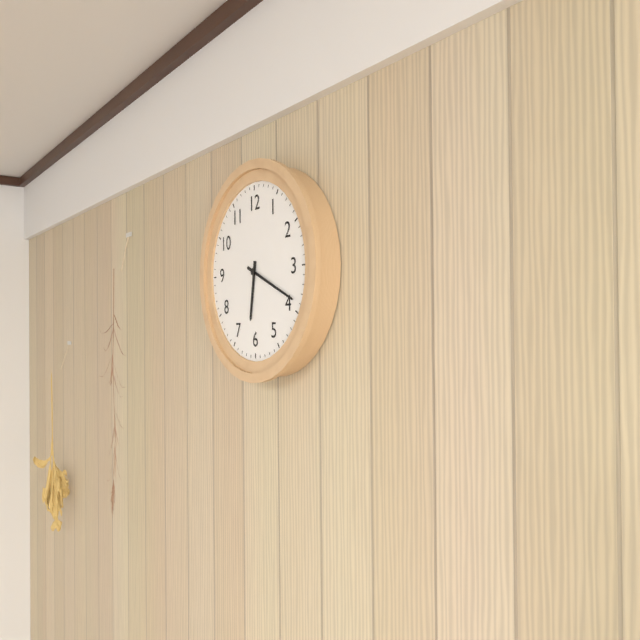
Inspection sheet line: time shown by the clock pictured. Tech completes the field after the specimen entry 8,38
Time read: 6,19
